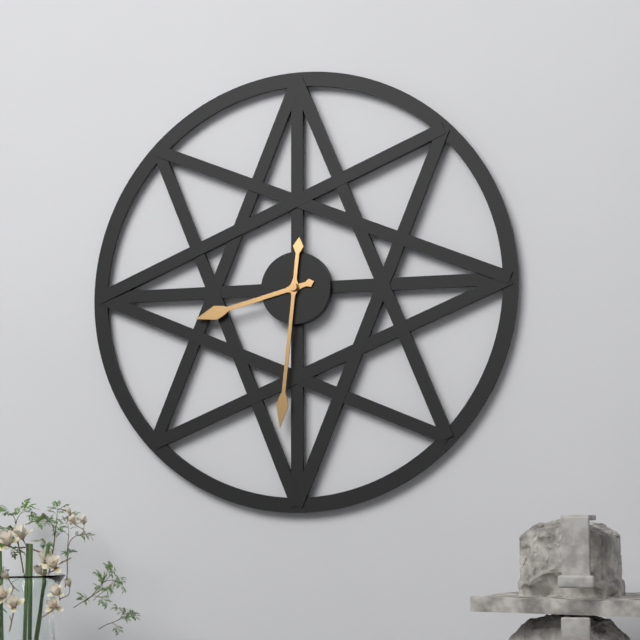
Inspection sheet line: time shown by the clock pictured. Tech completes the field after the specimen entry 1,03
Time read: 8,31
